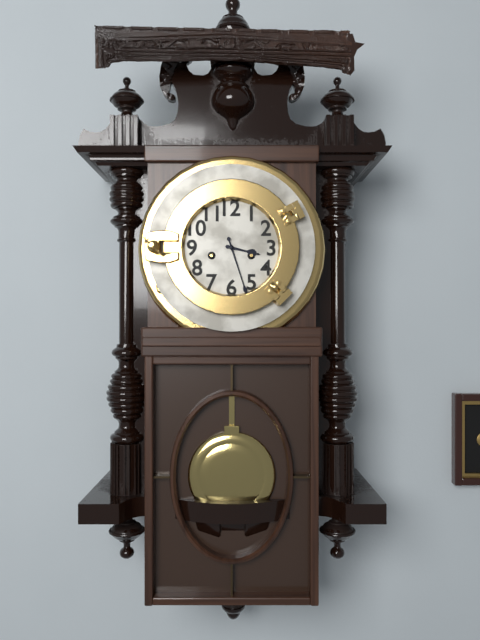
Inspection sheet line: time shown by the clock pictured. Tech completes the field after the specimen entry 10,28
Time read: 3,27
